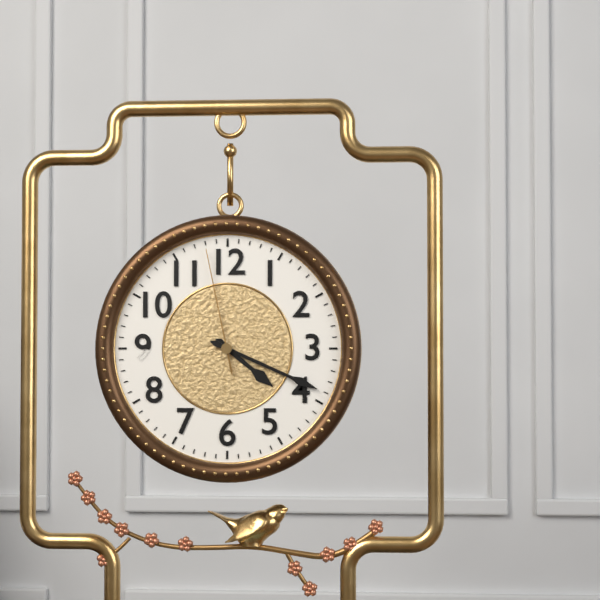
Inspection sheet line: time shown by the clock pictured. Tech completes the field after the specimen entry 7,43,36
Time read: 4,19,58
